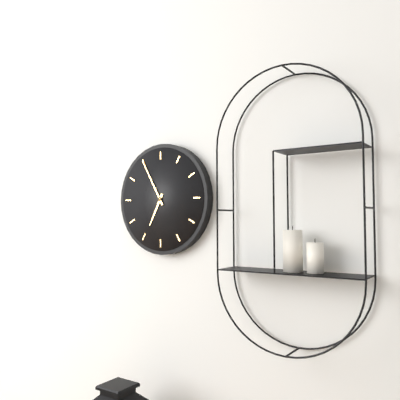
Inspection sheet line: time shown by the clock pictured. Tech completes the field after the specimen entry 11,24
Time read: 6,55
